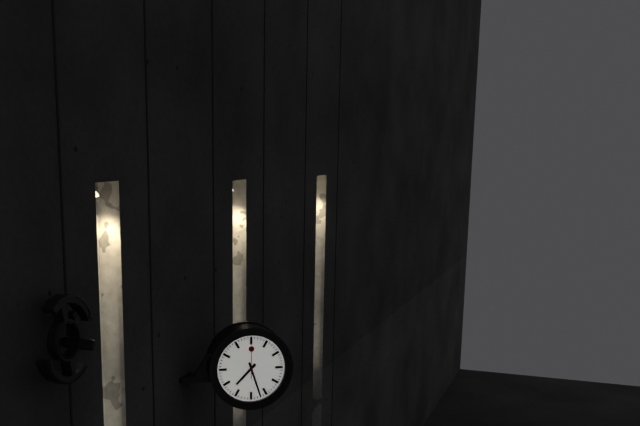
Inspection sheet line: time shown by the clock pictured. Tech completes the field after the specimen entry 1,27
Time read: 7,27
